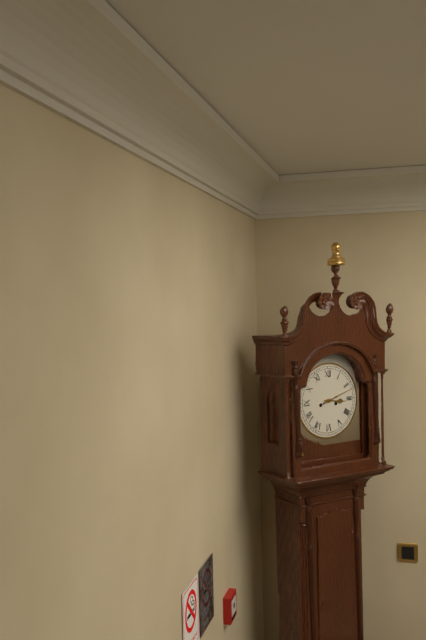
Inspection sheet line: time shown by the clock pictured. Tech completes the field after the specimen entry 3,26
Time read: 3,12
